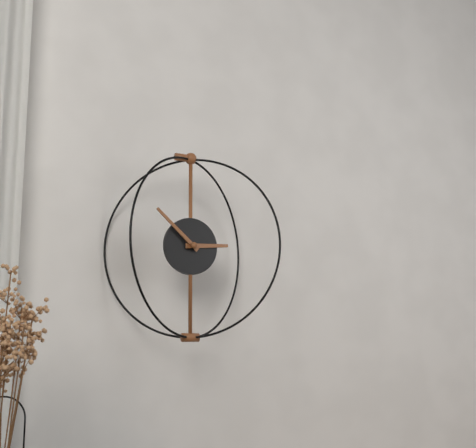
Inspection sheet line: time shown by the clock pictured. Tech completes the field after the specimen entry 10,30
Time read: 2,52
